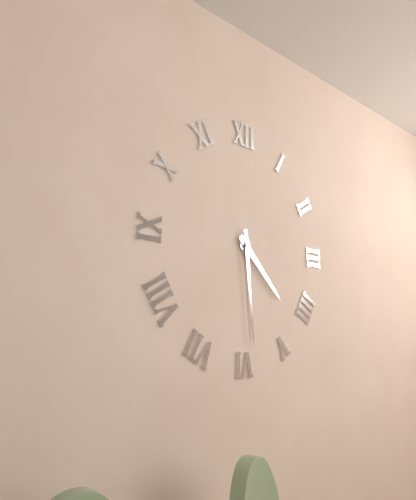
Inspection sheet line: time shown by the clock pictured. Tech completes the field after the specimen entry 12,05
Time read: 4,29
